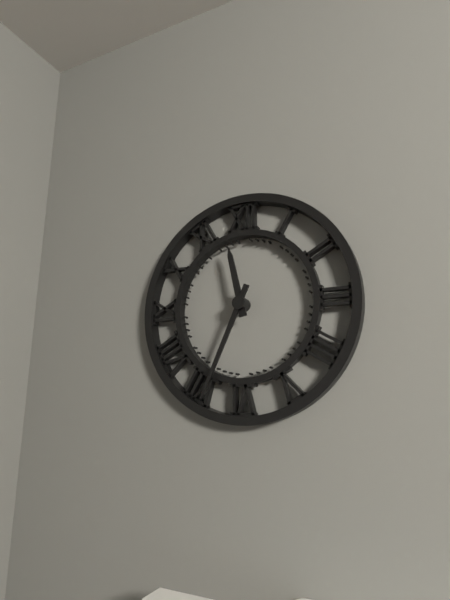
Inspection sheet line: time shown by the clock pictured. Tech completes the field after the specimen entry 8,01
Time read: 11,34
